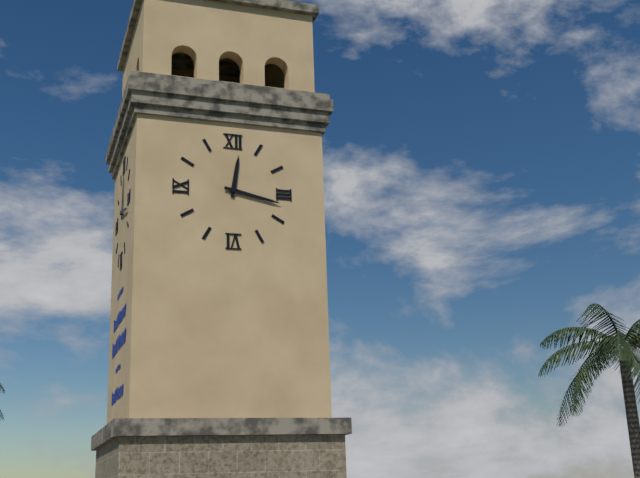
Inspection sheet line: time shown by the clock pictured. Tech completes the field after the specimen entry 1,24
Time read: 12,17
